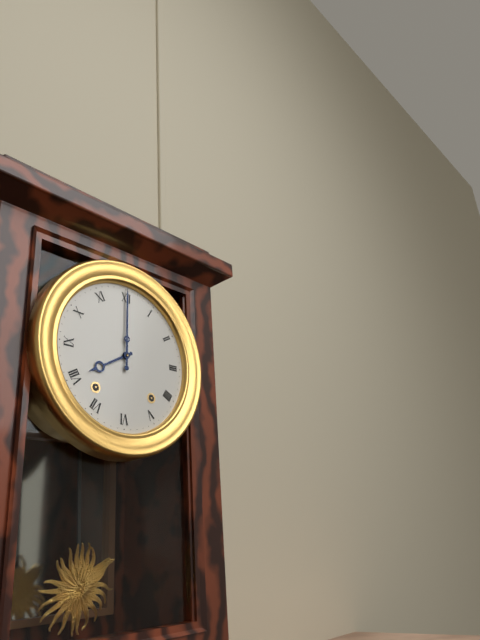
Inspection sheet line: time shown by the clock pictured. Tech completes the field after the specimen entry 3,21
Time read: 8,00
